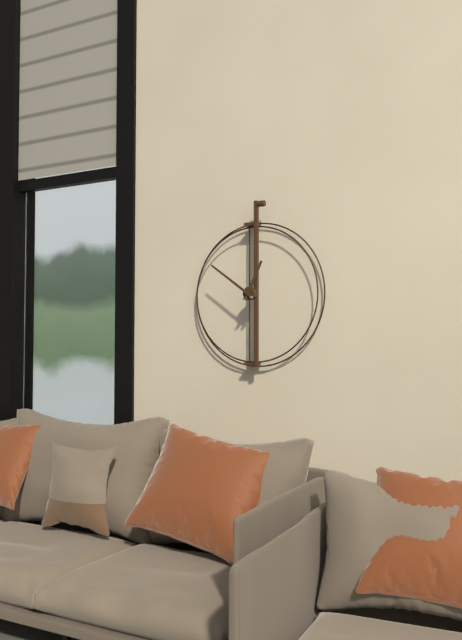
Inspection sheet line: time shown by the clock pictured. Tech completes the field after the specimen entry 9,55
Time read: 12,51
